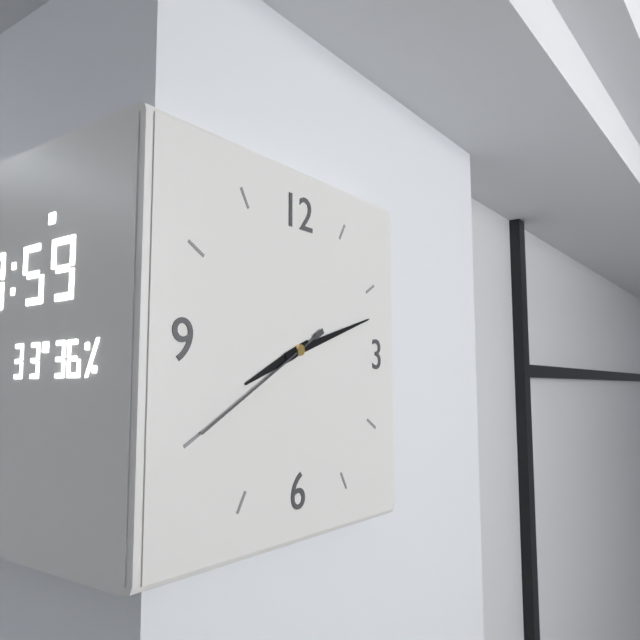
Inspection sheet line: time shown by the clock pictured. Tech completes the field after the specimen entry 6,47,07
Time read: 8,12,40
